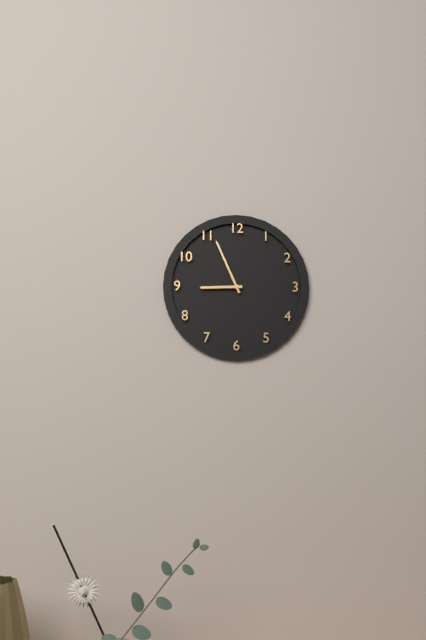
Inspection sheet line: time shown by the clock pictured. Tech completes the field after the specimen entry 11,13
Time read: 8,56
